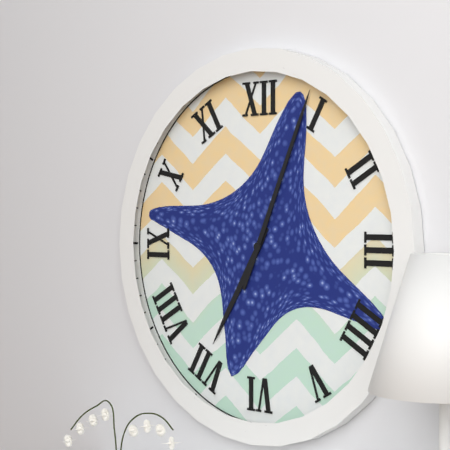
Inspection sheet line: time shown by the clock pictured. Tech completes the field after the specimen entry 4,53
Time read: 7,04
